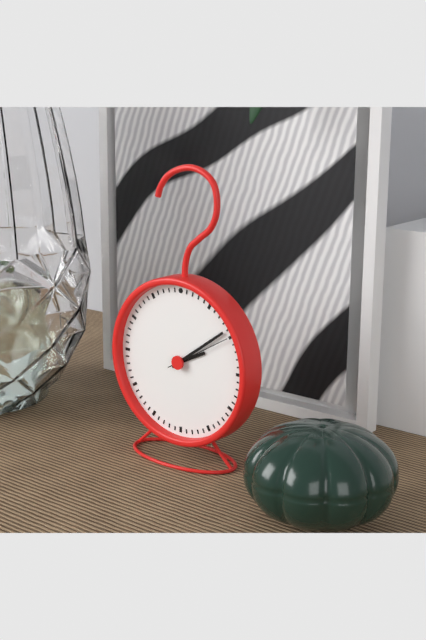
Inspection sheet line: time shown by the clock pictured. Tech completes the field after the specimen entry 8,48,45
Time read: 2,09,10
